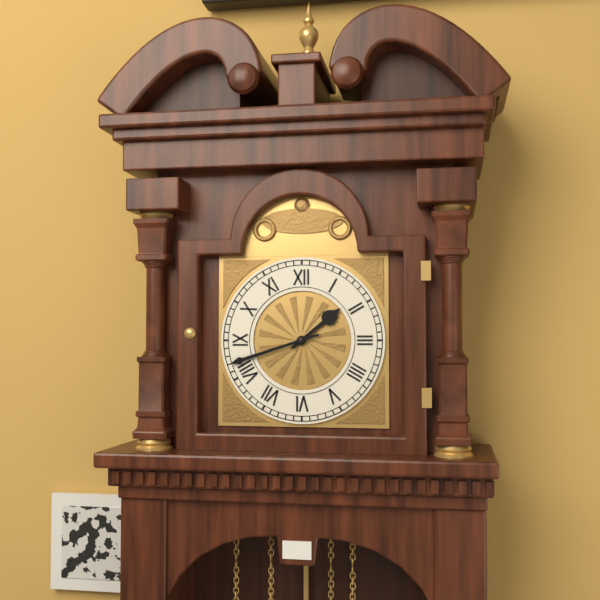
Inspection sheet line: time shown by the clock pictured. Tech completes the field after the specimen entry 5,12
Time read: 1,42
